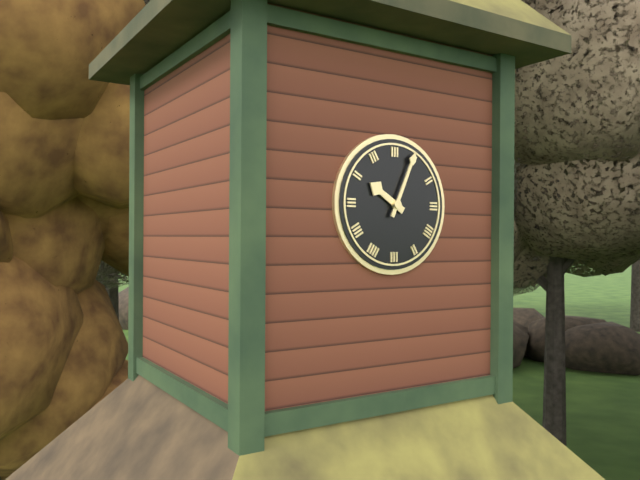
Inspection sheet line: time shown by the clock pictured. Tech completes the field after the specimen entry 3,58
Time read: 10,04
